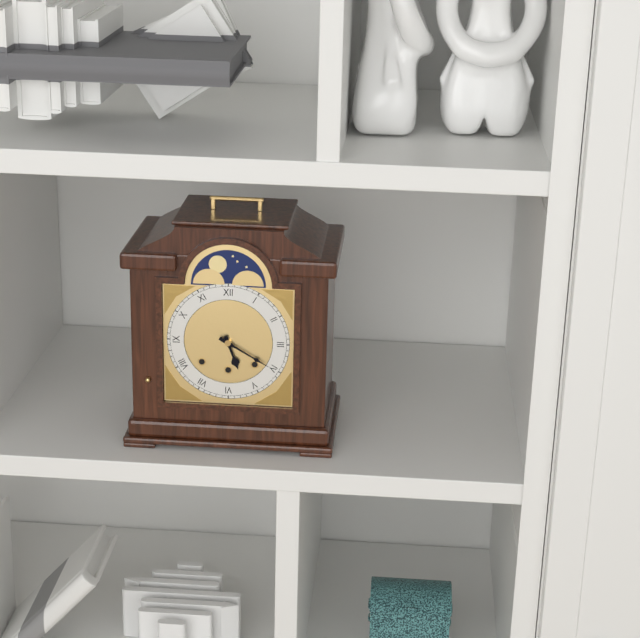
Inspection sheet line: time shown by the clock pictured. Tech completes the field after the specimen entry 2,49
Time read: 5,20
